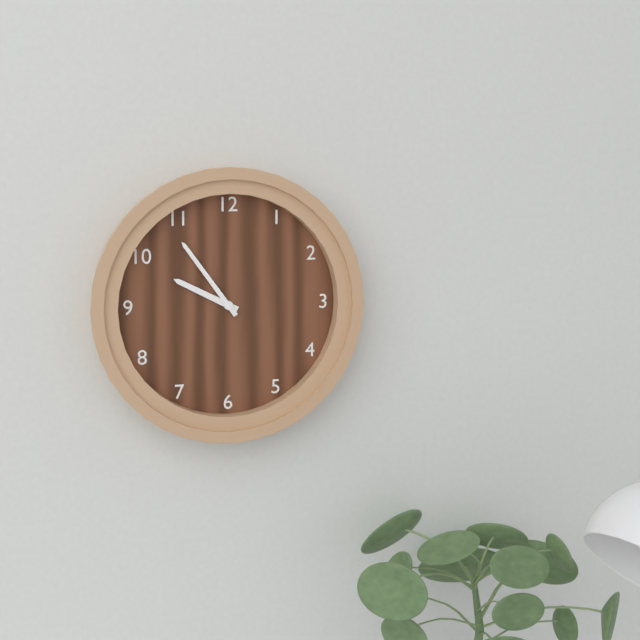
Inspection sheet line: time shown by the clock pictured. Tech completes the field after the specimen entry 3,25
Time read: 9,54
